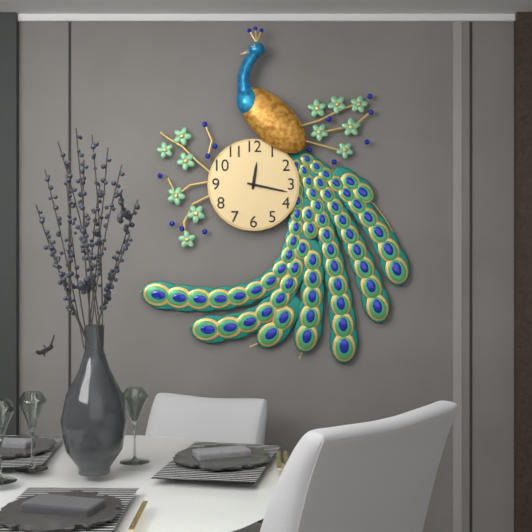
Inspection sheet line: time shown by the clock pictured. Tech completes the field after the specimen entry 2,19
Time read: 12,17
